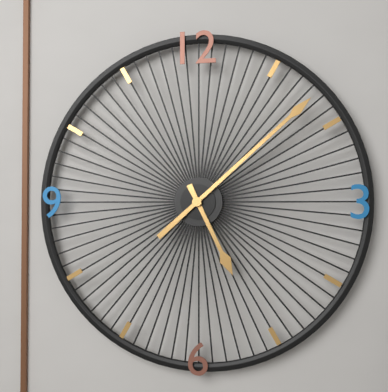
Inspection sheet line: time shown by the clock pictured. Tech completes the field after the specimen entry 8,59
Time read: 5,08
